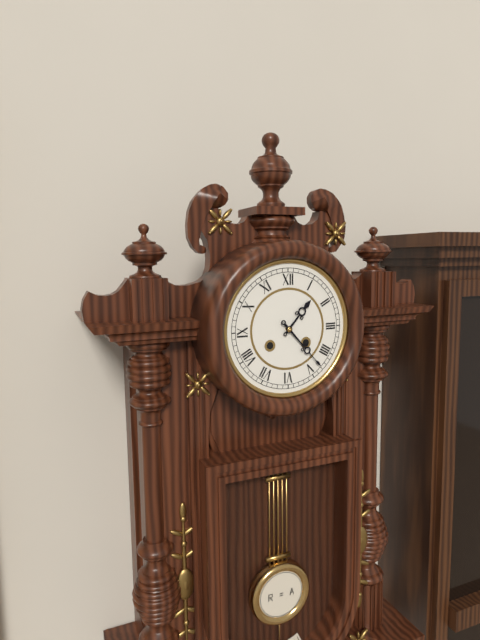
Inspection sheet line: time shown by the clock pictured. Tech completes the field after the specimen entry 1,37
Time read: 1,23
